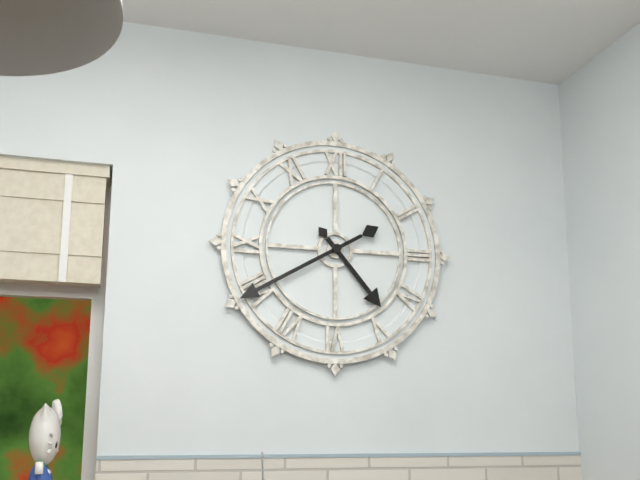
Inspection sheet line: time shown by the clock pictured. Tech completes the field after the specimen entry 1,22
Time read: 4,40
